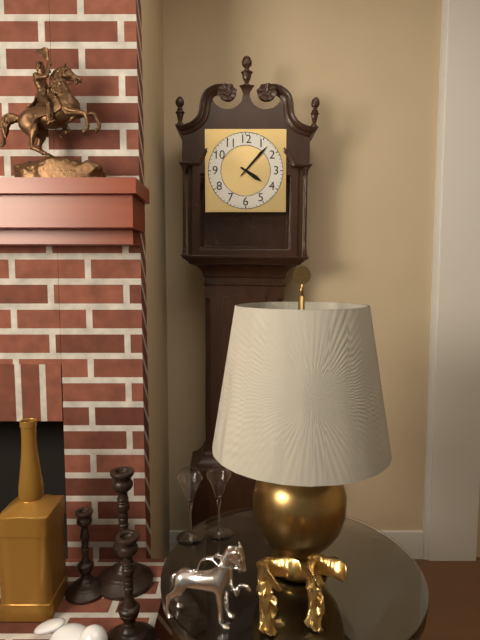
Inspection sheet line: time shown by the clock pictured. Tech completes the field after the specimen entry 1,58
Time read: 4,07
